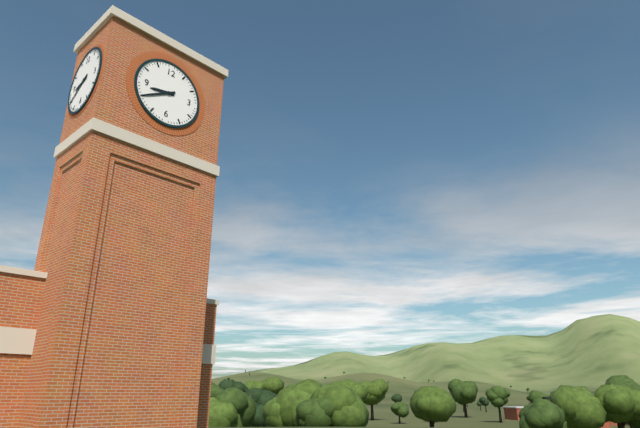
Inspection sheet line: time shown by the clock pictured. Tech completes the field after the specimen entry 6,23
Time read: 8,40
